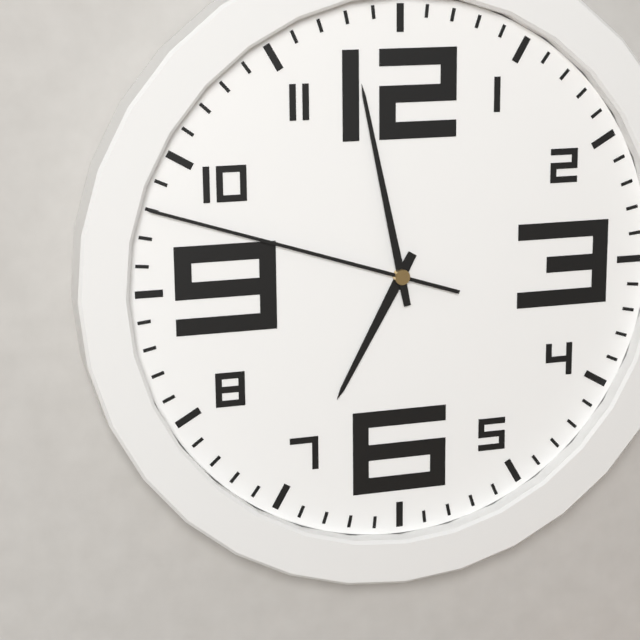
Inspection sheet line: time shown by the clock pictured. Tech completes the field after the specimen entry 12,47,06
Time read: 6,58,48
